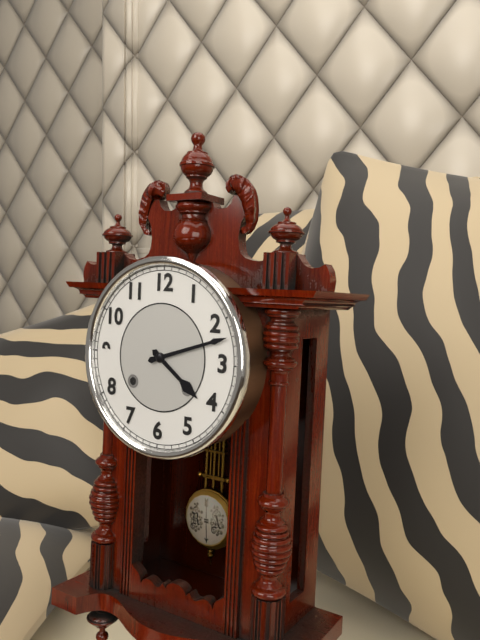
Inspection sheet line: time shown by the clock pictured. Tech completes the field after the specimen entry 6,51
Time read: 4,12
